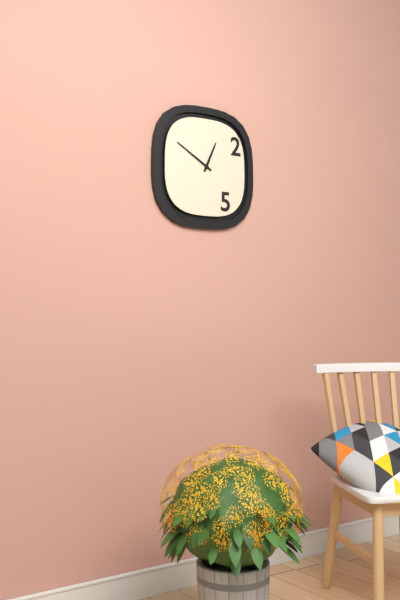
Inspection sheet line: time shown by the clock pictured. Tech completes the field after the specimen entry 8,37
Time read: 12,50
